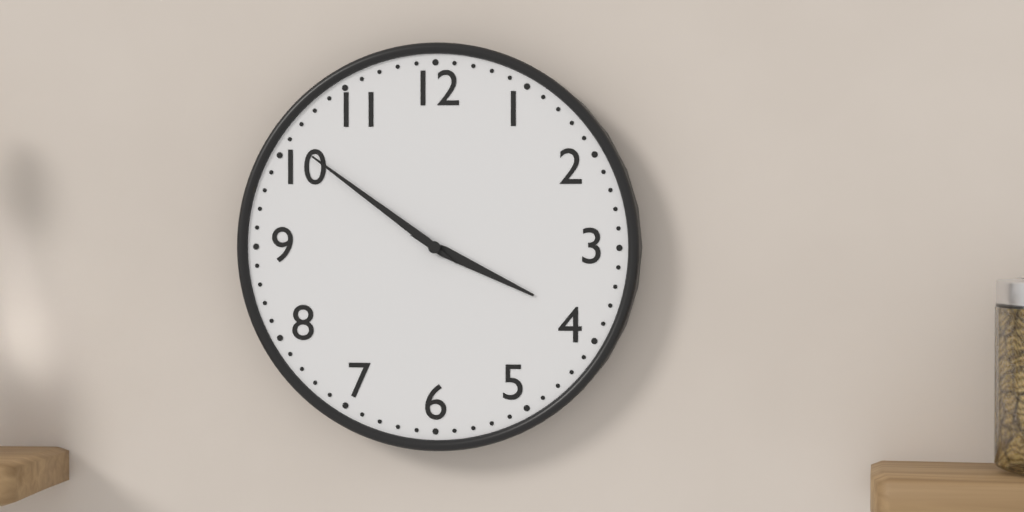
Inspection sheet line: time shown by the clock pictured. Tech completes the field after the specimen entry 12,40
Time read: 3,51
